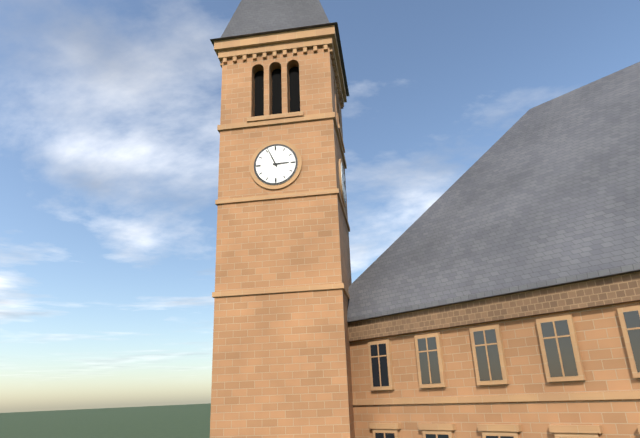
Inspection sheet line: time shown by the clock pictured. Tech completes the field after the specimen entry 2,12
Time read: 2,56
